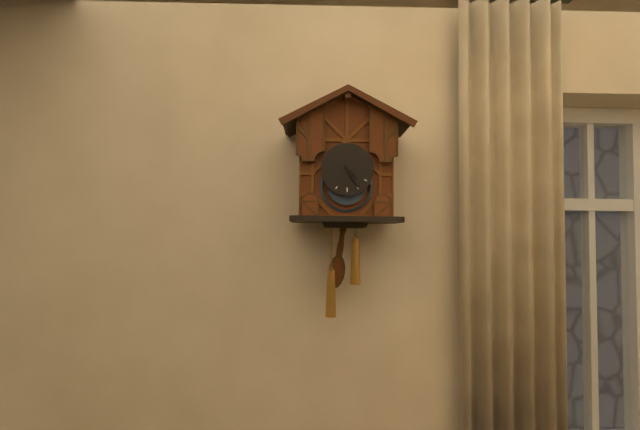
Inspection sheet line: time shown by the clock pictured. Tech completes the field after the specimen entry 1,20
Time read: 4,25
